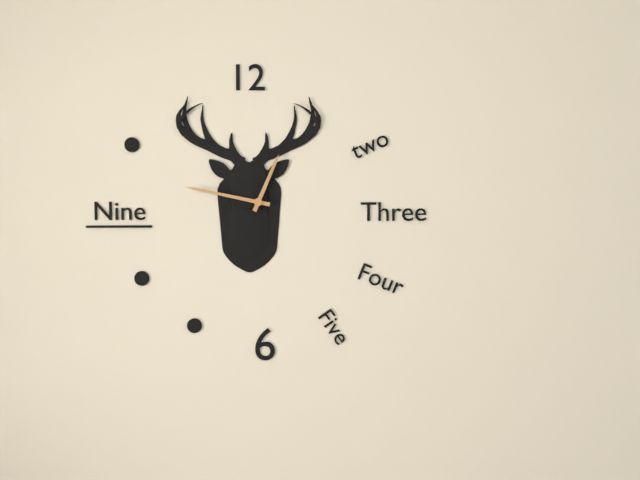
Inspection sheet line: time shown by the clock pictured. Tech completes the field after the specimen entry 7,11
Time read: 12,47
